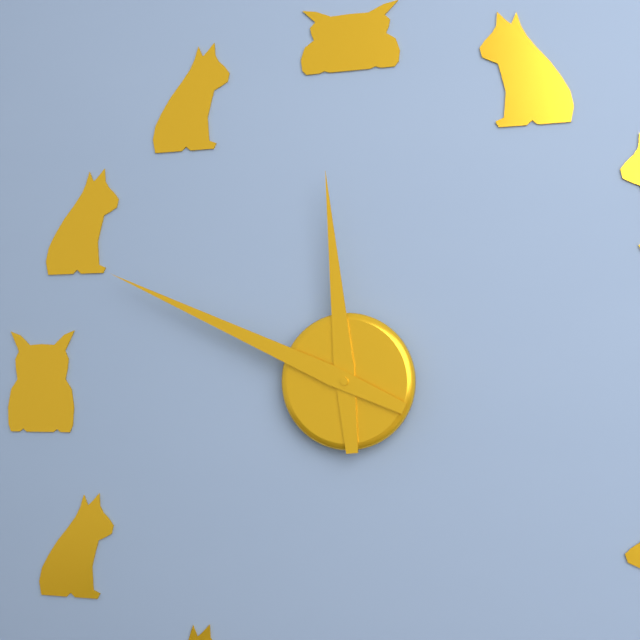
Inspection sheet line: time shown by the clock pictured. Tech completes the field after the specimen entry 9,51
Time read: 11,49
